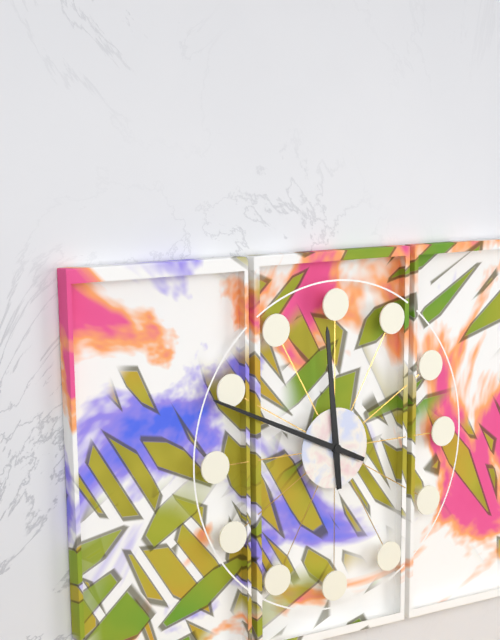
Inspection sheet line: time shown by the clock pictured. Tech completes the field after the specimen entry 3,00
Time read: 11,49
